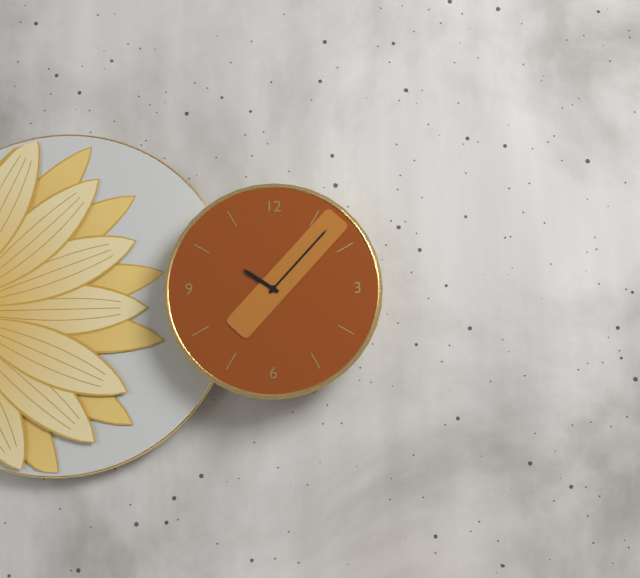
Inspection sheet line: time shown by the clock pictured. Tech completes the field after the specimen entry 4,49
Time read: 10,07
